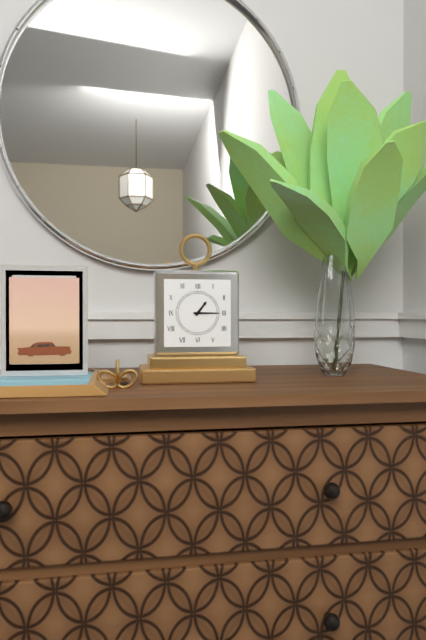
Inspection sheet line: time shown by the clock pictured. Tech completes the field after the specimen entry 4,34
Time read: 1,15
